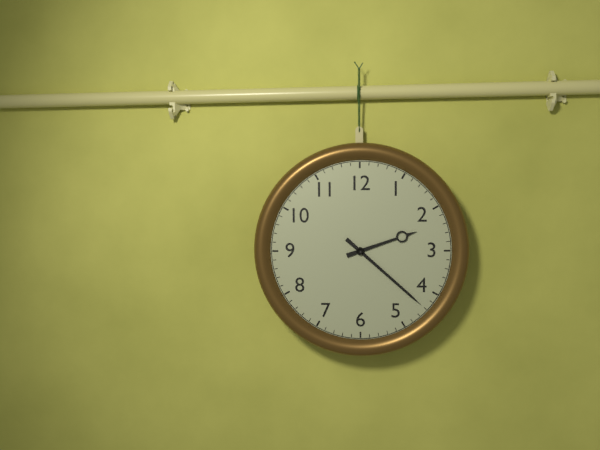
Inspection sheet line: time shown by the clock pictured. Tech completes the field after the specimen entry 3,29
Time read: 2,22
